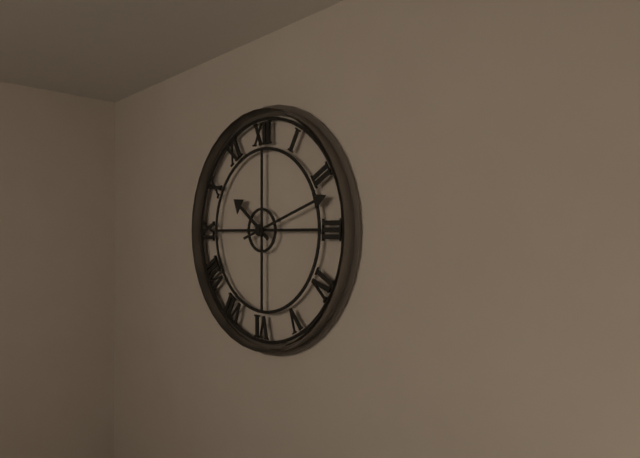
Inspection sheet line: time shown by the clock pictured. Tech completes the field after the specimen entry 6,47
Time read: 10,12
